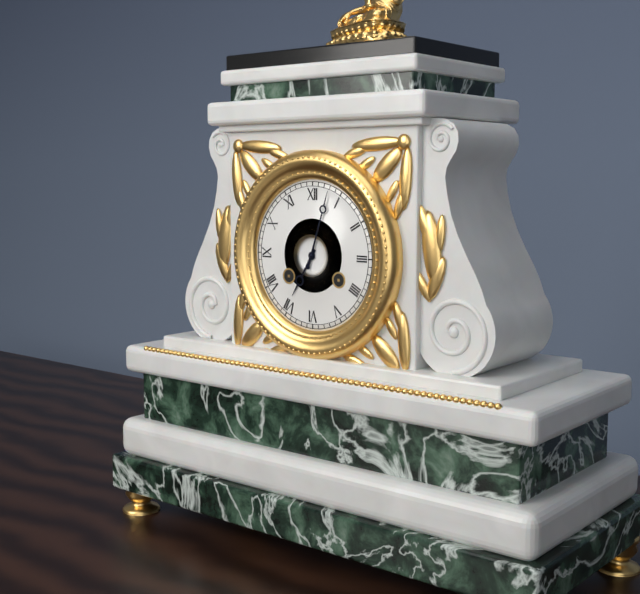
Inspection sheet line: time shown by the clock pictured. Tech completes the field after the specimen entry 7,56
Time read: 7,03
